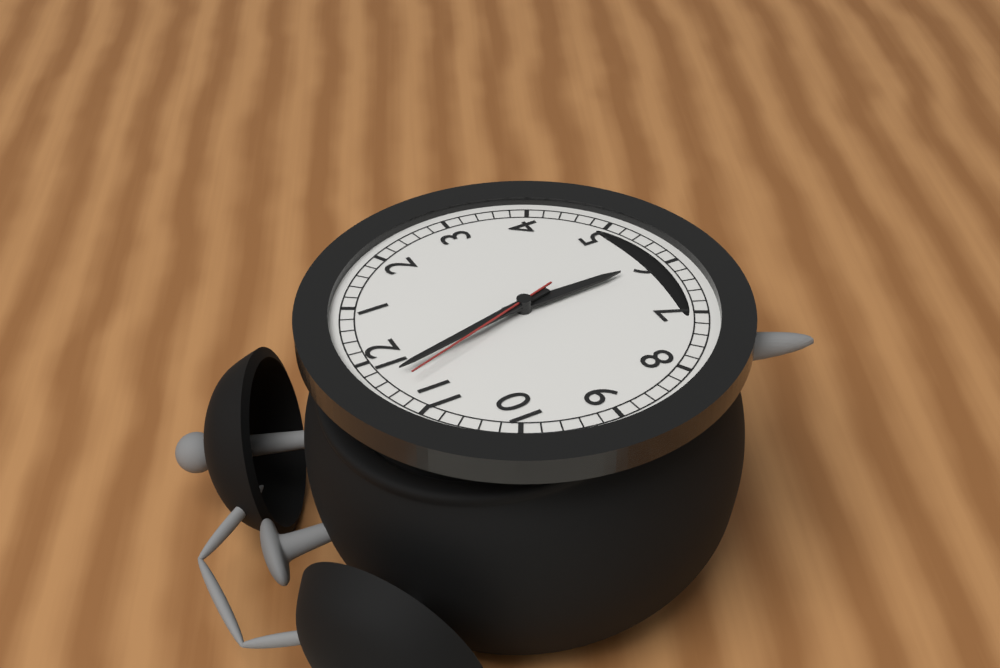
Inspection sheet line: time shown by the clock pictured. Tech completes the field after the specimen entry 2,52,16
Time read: 5,58,57
